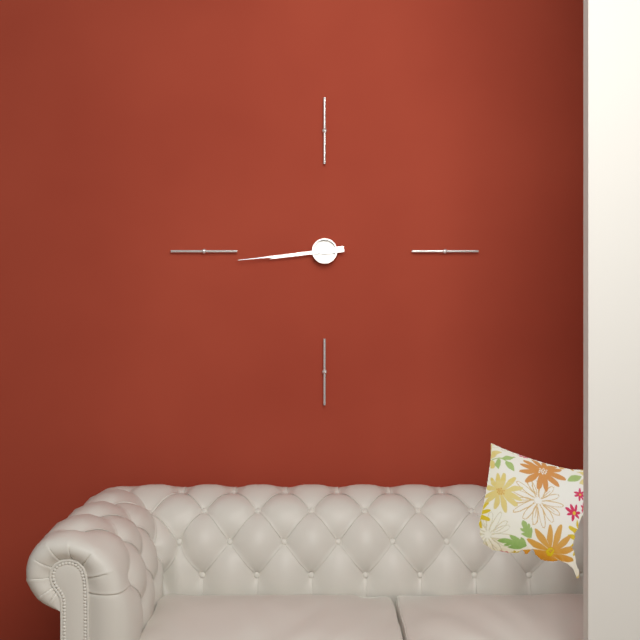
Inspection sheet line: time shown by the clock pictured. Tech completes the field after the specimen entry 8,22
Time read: 8,44
